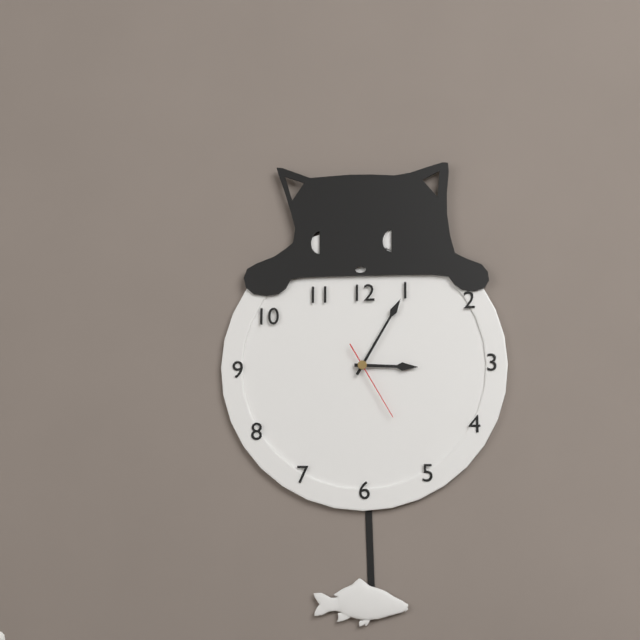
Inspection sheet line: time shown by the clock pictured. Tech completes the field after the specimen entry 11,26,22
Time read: 3,05,25
